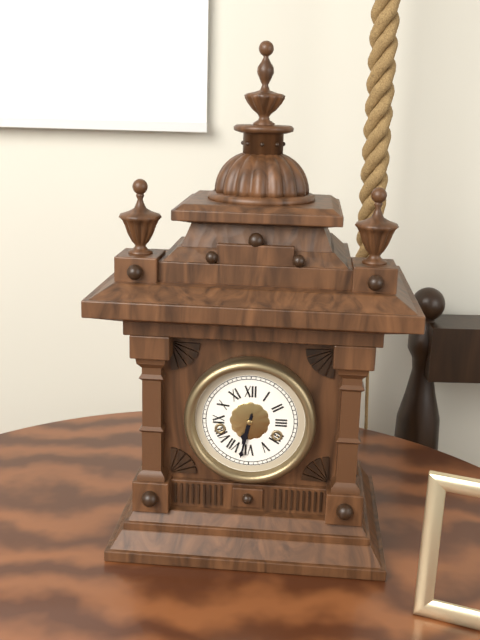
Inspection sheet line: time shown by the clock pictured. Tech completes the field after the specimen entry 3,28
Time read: 6,32
